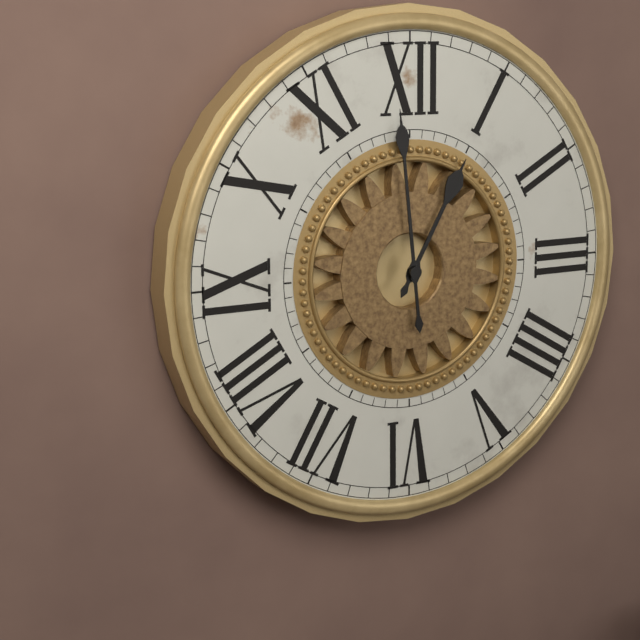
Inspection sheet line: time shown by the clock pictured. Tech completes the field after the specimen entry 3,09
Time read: 12,59
